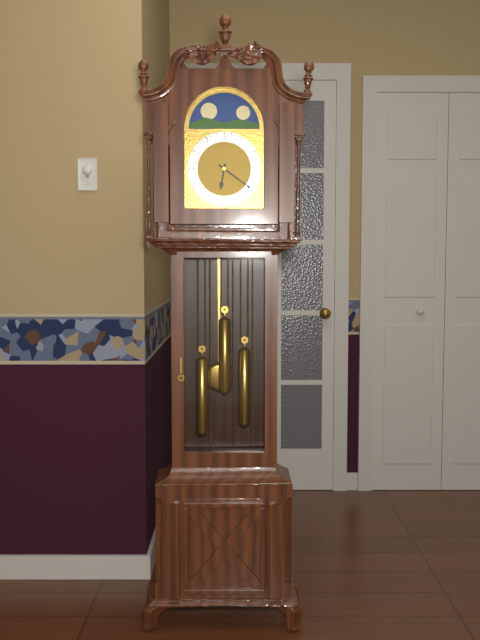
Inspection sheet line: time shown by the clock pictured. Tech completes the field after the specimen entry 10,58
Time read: 6,21
